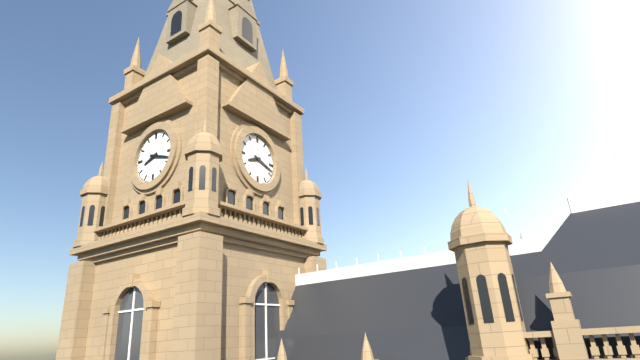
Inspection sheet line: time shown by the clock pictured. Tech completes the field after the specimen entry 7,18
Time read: 8,18
